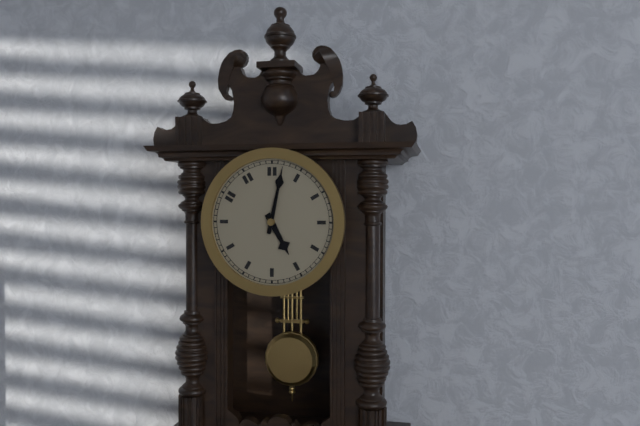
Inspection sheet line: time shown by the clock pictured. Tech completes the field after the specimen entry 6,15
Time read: 5,02
